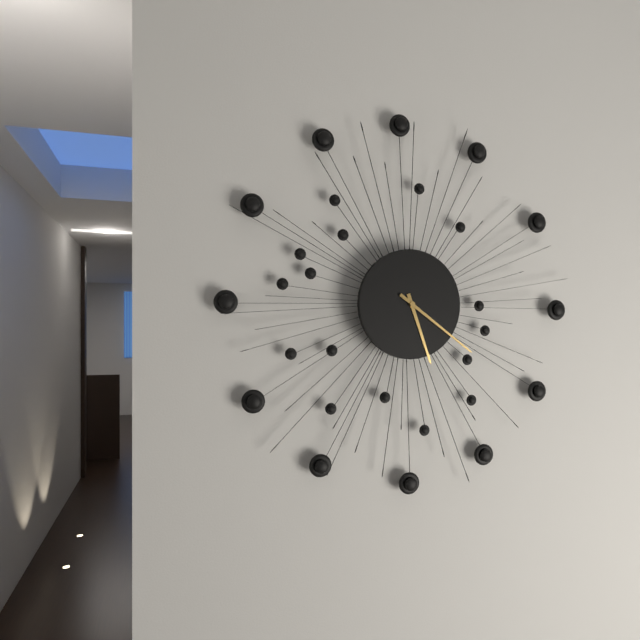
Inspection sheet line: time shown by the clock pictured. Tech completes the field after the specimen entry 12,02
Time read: 5,21
